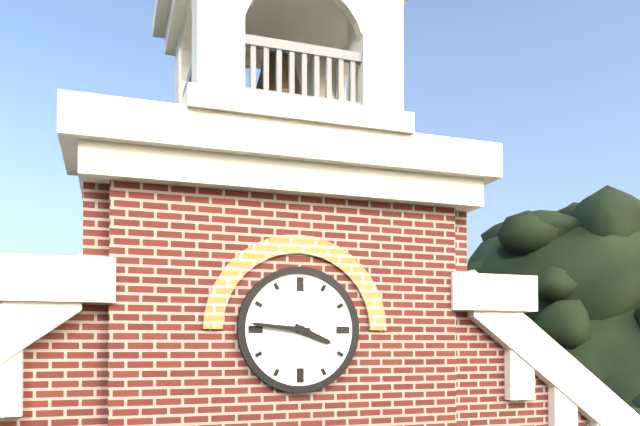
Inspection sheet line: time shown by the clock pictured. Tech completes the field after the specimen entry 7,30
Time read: 3,46
